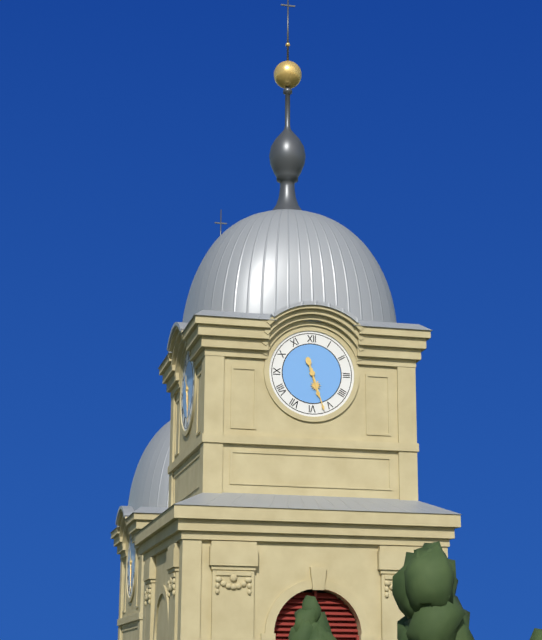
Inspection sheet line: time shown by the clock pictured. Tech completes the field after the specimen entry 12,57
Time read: 5,27
